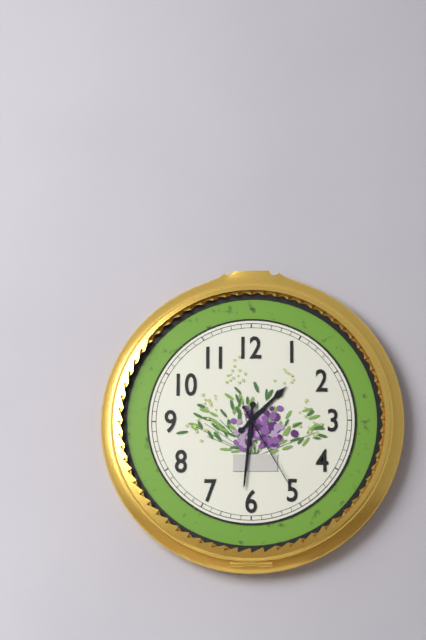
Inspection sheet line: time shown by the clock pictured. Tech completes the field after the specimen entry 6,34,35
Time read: 1,31,25
